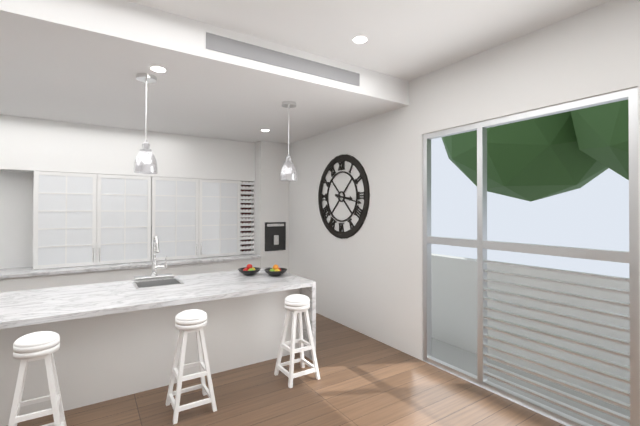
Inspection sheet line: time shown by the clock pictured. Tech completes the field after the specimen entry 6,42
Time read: 3,17
